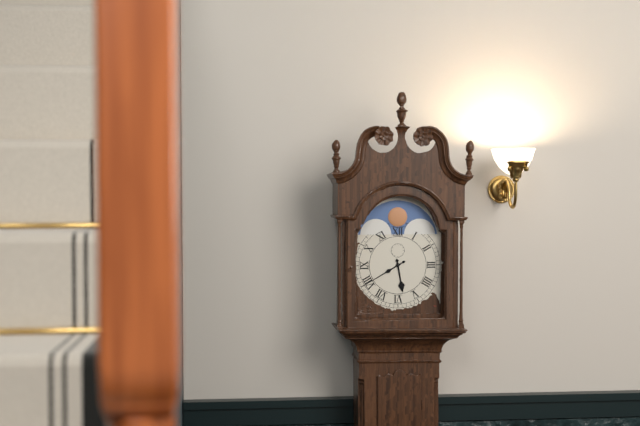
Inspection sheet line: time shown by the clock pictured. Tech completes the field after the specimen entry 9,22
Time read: 5,40
